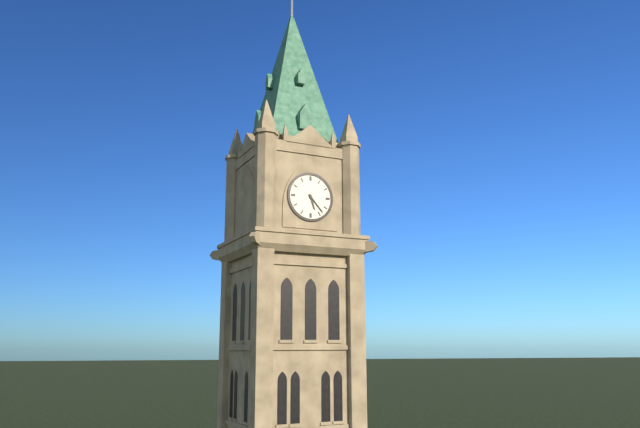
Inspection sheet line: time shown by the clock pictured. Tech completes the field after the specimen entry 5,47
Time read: 5,23
